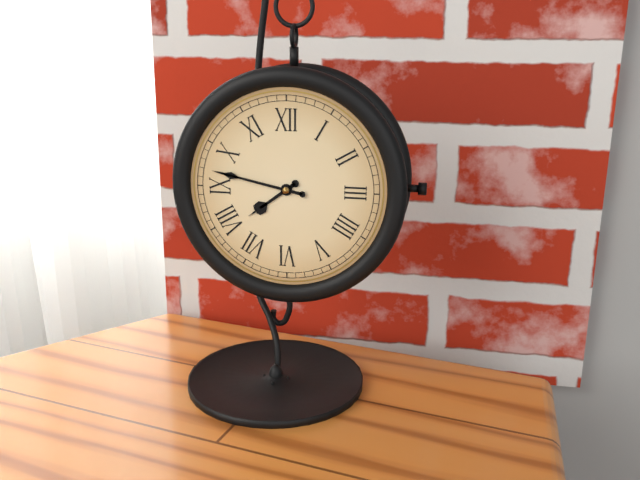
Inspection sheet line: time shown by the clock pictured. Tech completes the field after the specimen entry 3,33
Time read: 7,47
